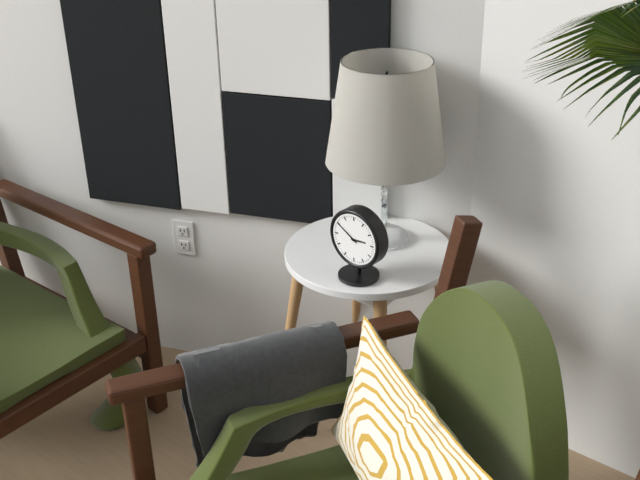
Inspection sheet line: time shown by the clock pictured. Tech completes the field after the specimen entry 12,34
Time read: 2,50
